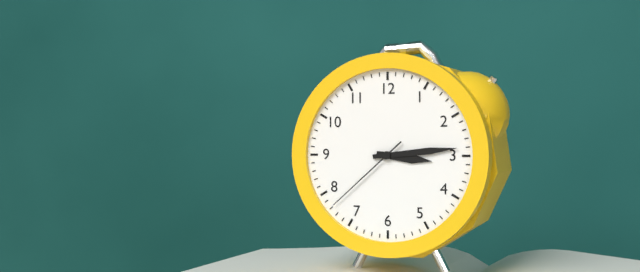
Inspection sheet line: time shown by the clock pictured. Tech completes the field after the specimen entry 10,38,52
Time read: 3,14,38
